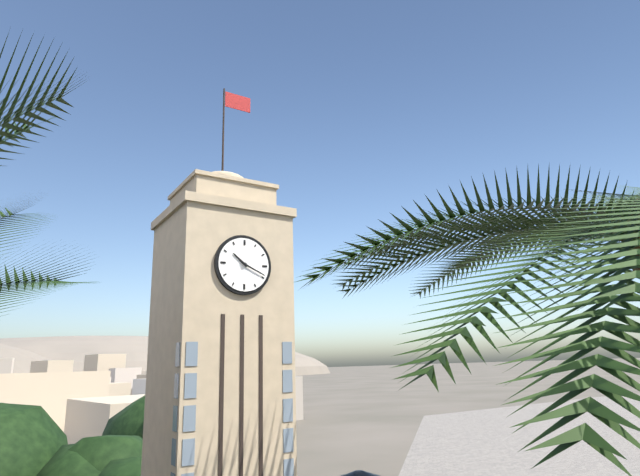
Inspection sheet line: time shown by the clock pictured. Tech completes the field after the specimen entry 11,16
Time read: 10,19
